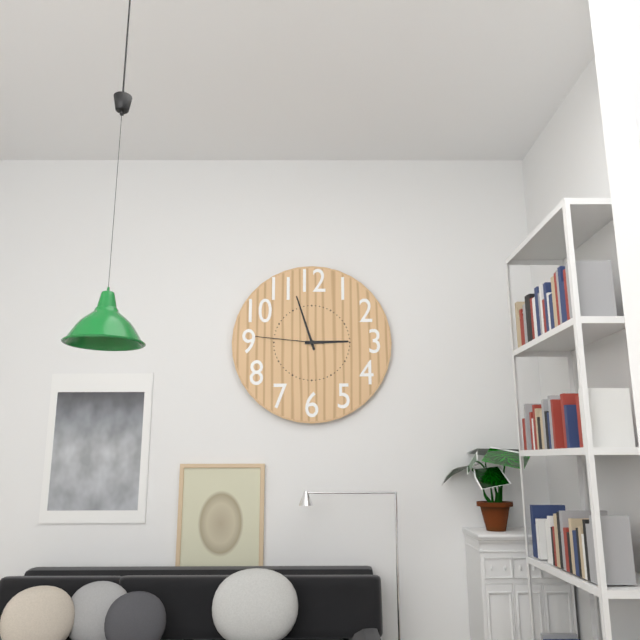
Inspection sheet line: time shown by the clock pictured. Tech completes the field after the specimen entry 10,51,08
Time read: 2,57,46
